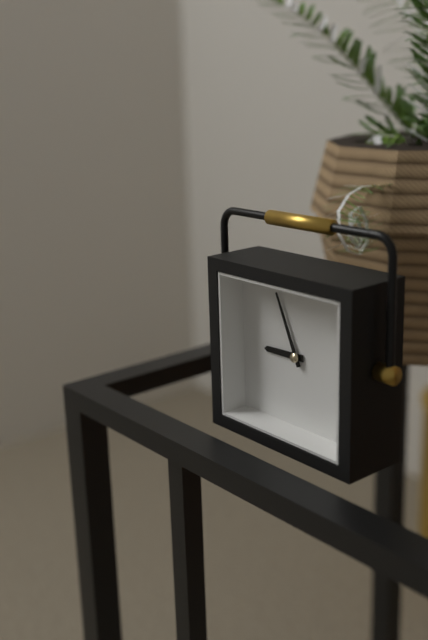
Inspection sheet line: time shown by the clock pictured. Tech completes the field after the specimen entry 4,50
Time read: 8,56
